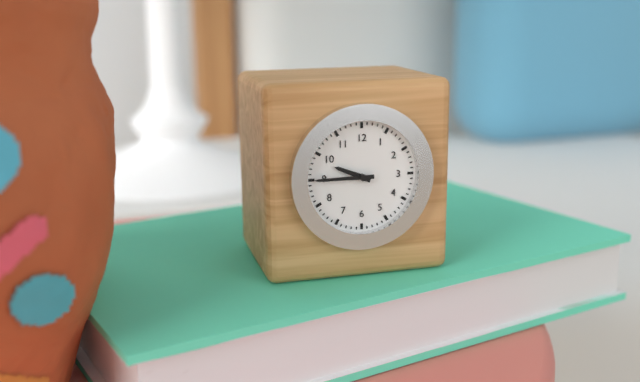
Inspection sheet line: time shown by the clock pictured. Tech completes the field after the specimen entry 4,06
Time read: 9,45
